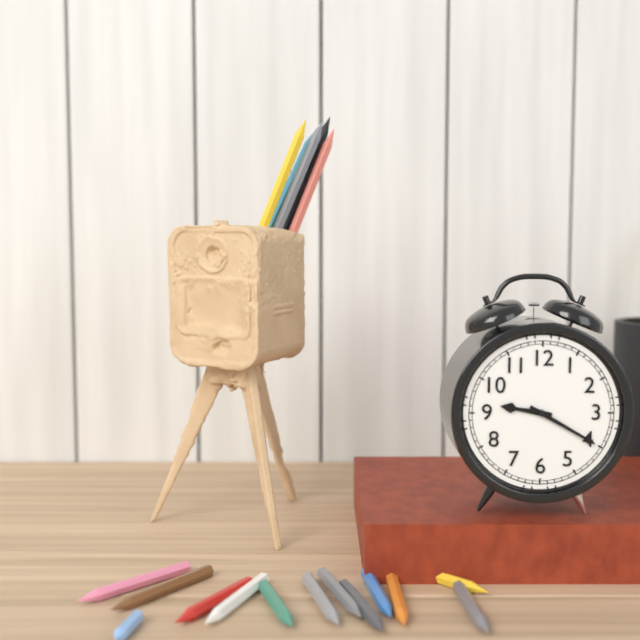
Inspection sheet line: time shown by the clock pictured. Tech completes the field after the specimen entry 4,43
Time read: 9,20
